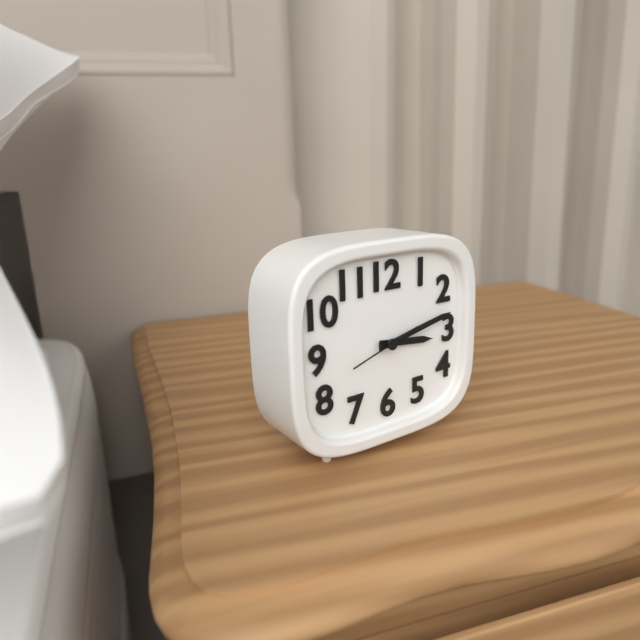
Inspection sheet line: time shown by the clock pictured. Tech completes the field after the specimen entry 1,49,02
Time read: 3,13,42
